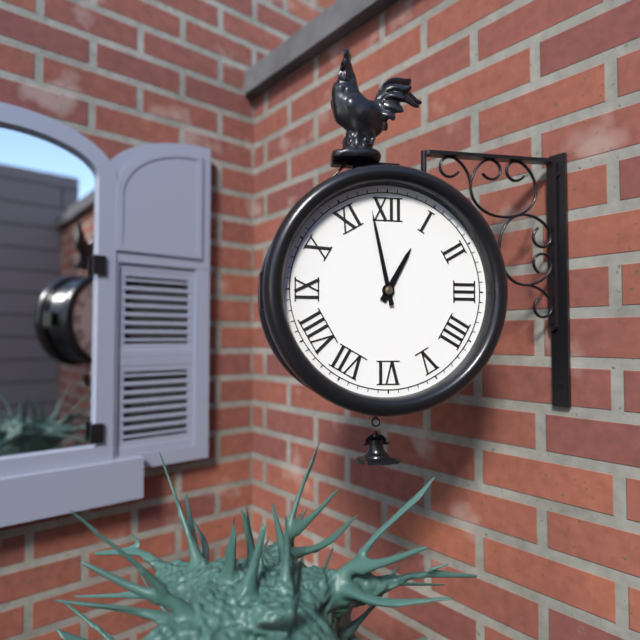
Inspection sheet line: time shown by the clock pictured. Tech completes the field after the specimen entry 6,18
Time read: 12,58
